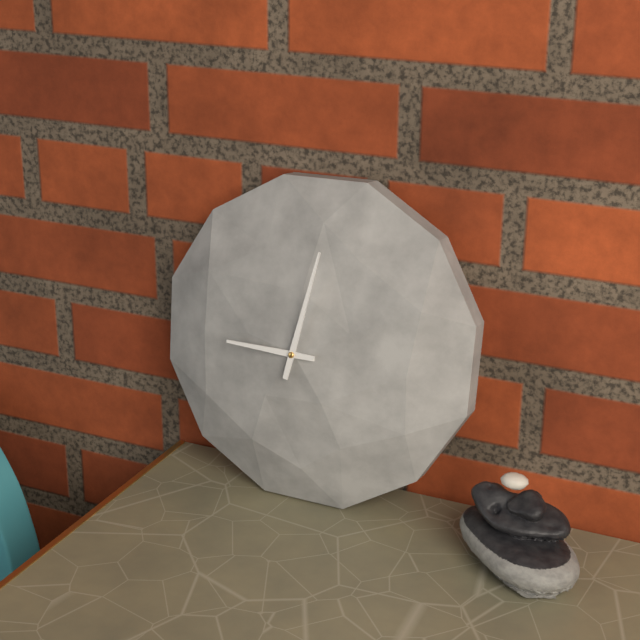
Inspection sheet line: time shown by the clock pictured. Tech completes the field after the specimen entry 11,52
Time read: 9,02
